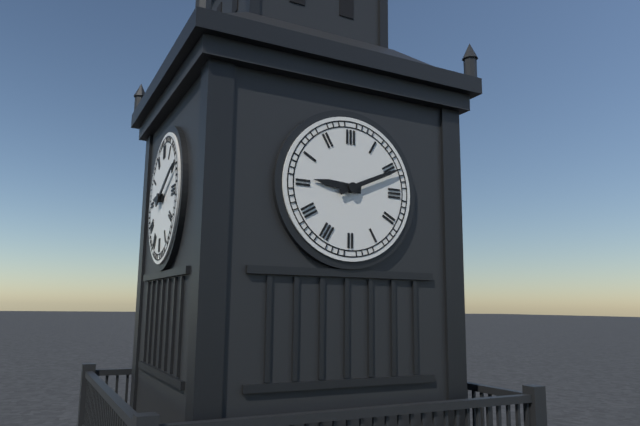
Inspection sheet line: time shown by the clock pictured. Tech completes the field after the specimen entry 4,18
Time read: 9,11
